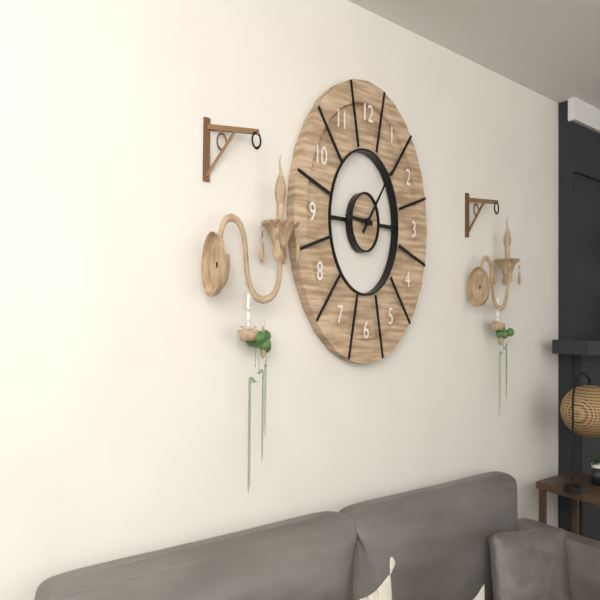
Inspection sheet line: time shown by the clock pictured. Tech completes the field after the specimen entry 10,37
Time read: 9,07
